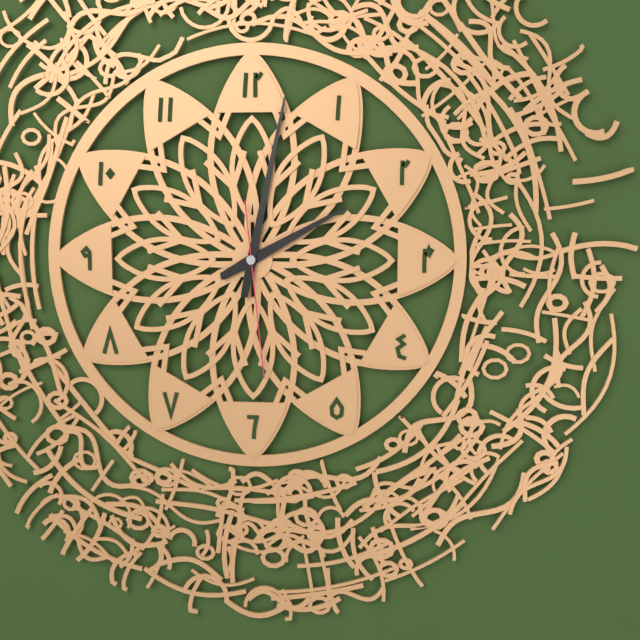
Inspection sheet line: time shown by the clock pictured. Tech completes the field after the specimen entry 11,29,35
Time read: 2,02,29
